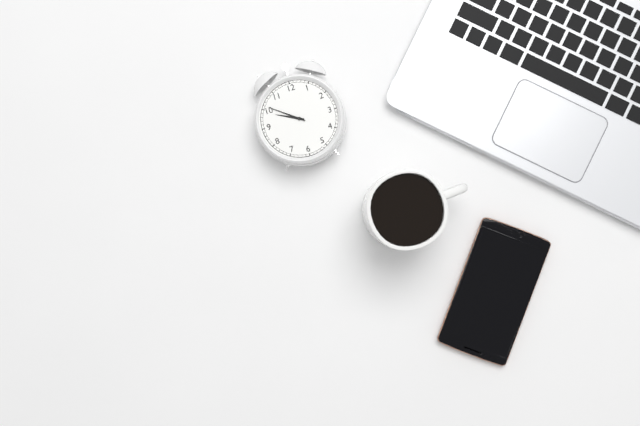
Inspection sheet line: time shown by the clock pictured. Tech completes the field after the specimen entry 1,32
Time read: 9,51
